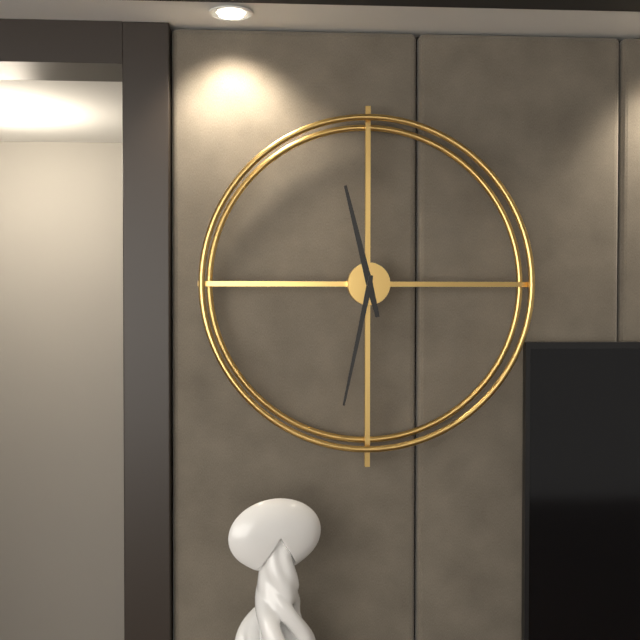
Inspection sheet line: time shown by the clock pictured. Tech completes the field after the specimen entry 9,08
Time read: 11,32
